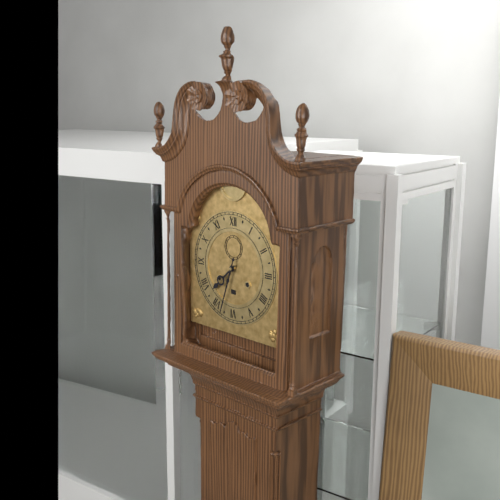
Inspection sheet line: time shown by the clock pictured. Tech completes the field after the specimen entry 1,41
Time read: 7,33
